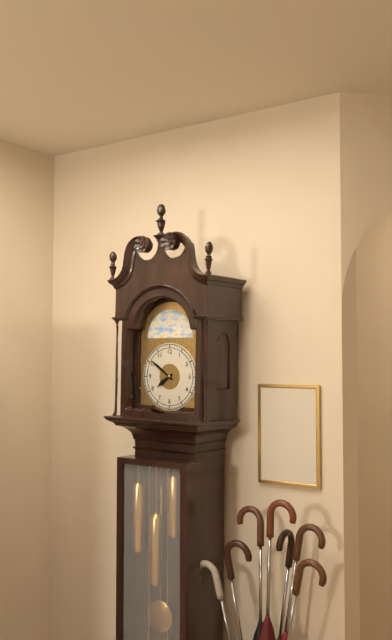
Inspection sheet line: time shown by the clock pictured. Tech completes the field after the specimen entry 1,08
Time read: 7,51
